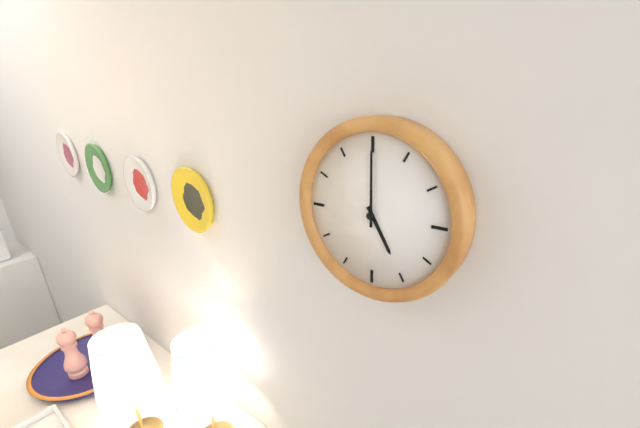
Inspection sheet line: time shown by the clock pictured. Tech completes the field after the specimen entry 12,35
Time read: 5,00
